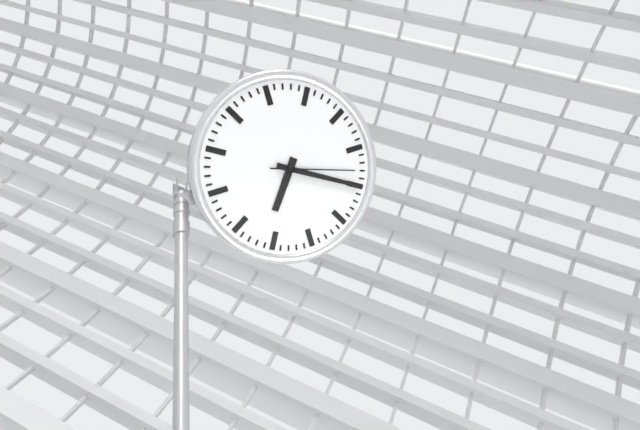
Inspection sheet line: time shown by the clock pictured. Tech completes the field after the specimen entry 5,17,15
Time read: 6,15,13
